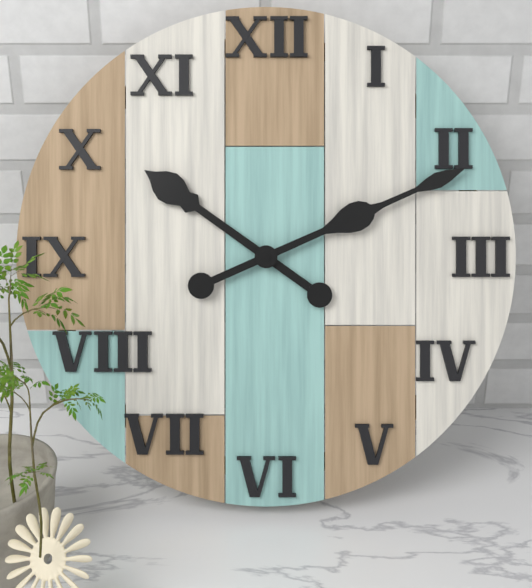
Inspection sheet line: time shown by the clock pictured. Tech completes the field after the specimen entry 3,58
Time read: 10,11
